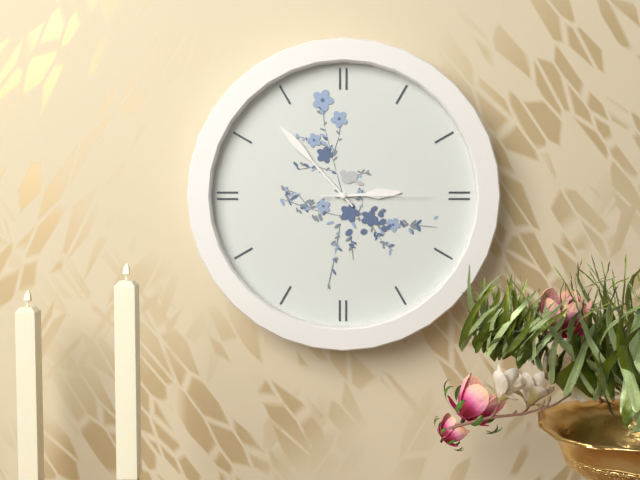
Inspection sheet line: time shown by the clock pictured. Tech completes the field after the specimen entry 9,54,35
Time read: 2,53,15
